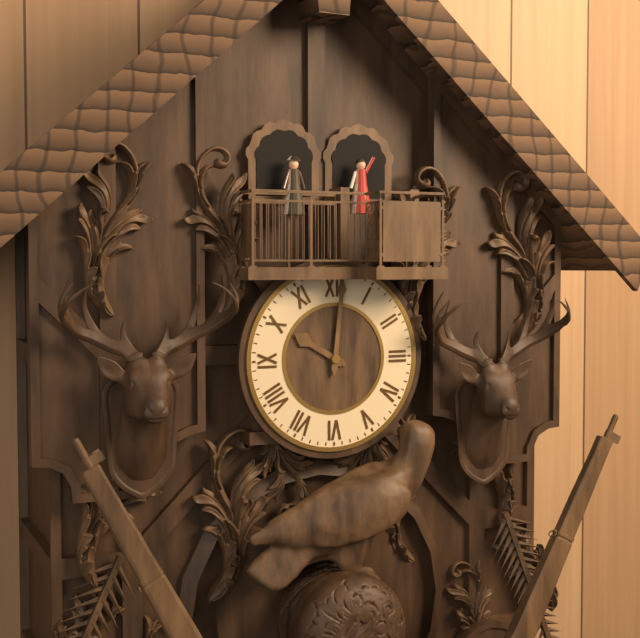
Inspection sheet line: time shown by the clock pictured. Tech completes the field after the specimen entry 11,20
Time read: 10,01
